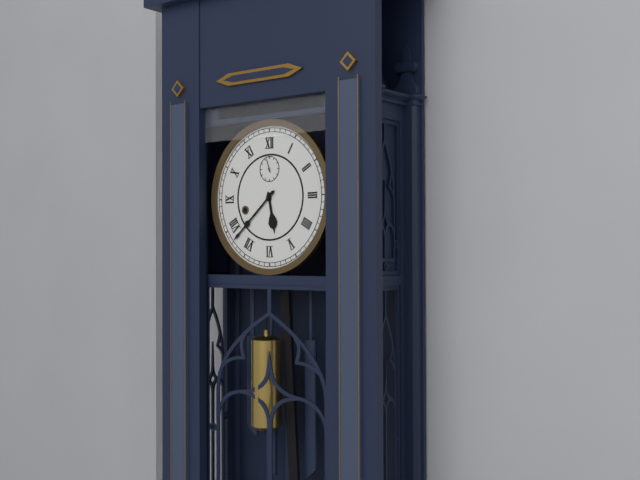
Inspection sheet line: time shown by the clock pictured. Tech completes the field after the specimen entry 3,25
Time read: 5,38
